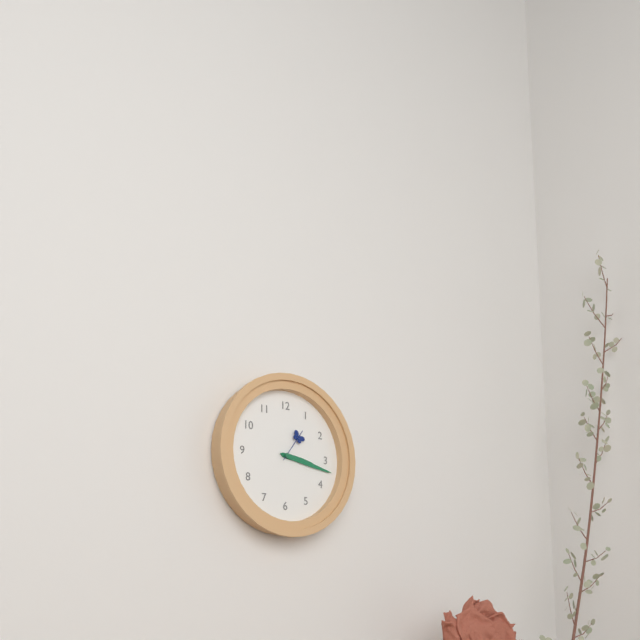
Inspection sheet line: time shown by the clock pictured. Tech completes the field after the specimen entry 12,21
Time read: 3,17
